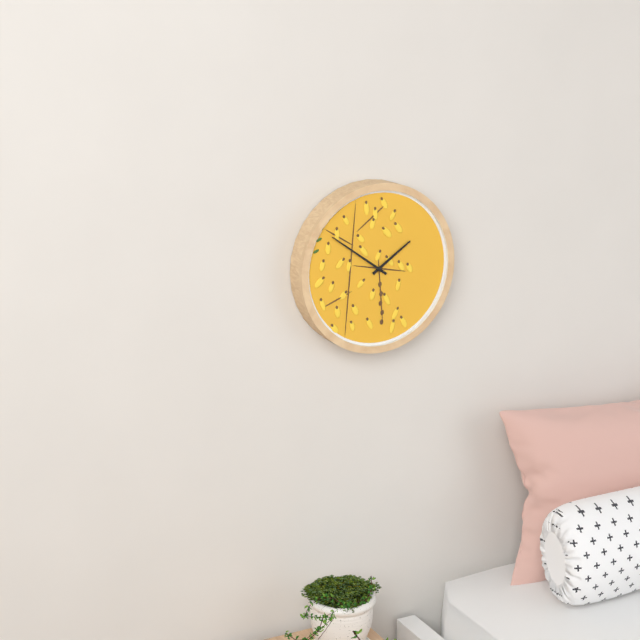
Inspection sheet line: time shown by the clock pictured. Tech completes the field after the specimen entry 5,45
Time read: 1,51
